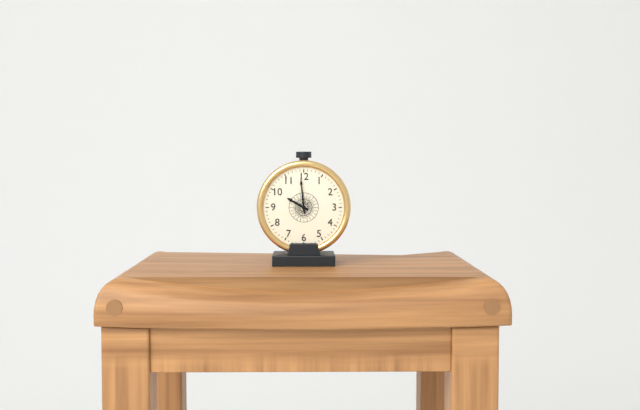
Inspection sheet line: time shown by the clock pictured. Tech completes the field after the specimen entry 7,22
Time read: 9,59
